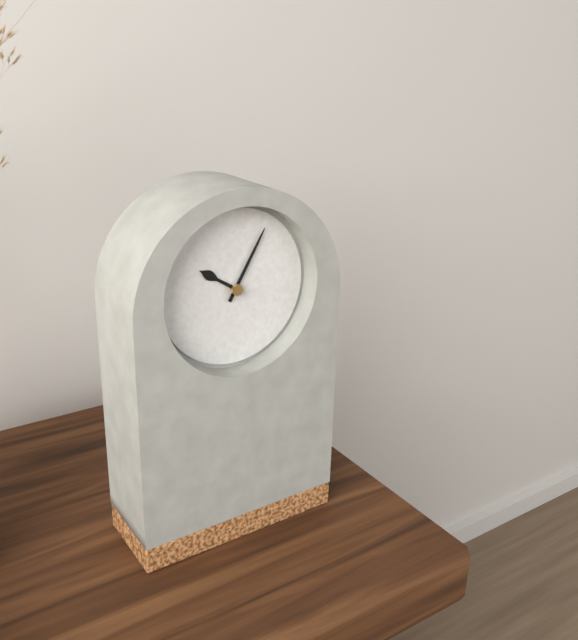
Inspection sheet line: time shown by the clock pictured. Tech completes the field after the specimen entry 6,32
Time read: 10,05
